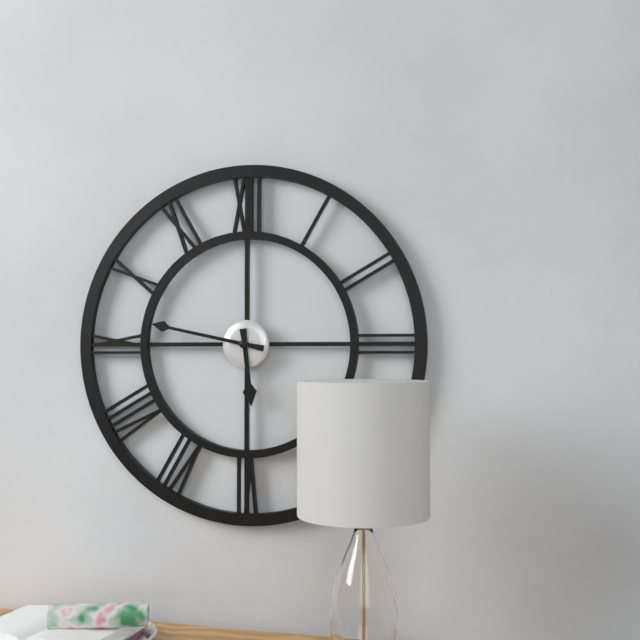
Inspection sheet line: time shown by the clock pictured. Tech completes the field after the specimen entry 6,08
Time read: 5,47
